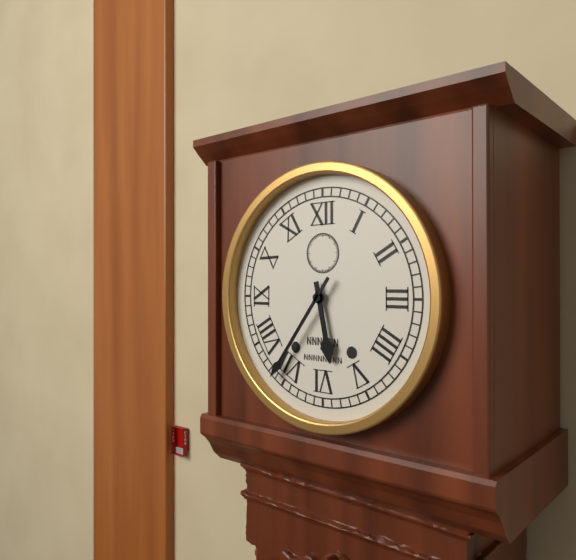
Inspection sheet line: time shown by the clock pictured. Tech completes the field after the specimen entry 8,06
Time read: 5,36
